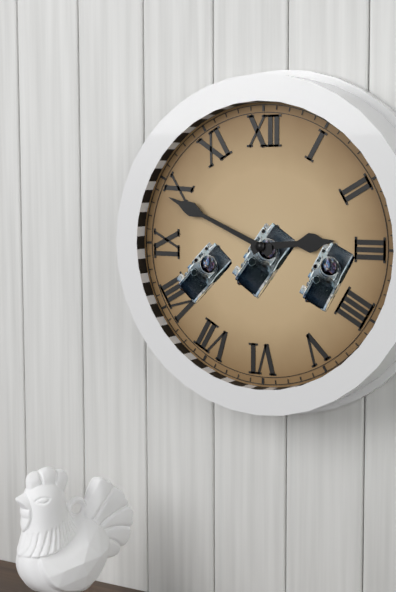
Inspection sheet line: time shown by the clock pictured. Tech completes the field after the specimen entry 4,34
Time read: 2,49
